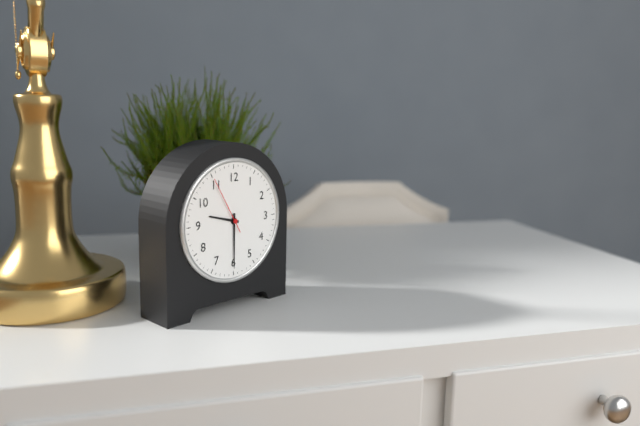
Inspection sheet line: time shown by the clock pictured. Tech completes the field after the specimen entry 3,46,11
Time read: 9,30,55
